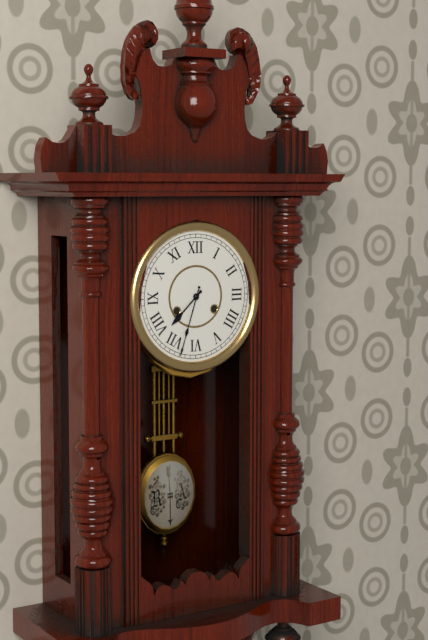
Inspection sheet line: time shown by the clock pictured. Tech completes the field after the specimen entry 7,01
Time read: 7,33
